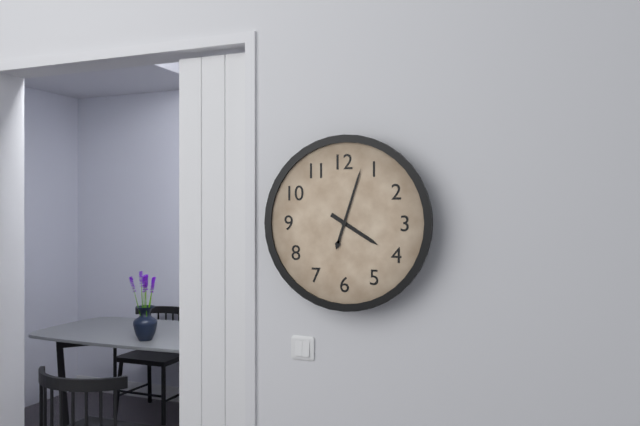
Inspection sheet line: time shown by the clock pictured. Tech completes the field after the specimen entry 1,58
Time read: 4,03
